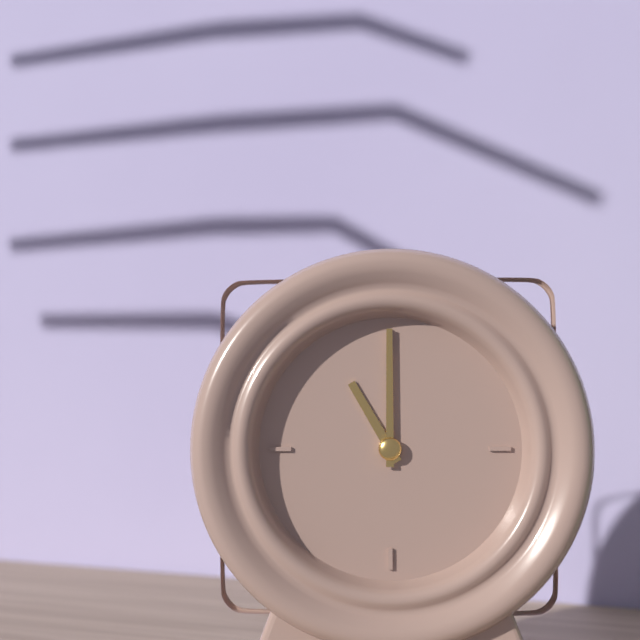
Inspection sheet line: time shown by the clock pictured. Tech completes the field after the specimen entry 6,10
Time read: 11,00
